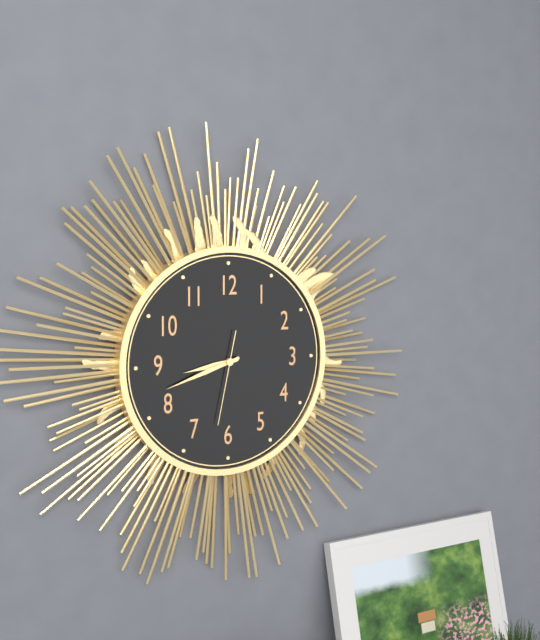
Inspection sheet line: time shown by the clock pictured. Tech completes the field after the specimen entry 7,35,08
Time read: 8,42,32
